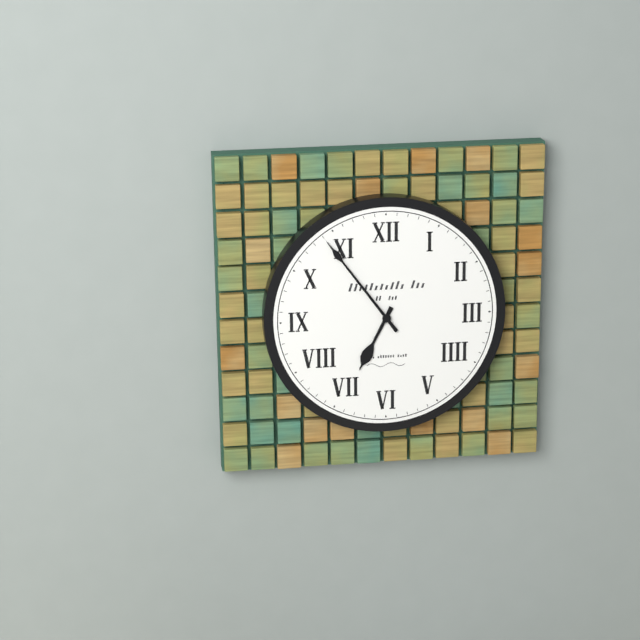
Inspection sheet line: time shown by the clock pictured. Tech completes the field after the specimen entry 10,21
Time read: 6,54
